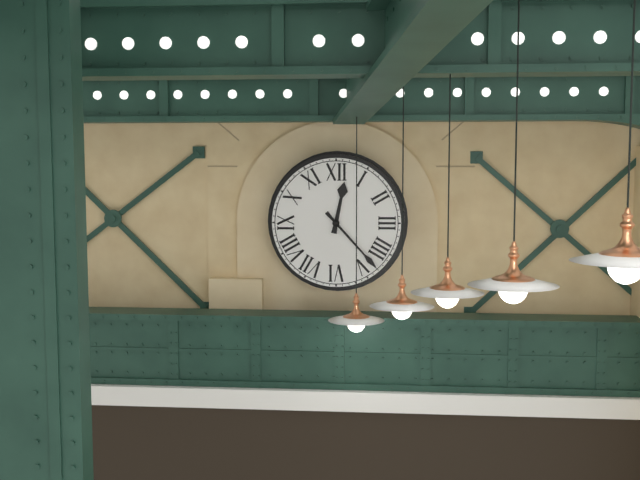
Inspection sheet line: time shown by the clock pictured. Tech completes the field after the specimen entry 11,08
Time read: 12,23
